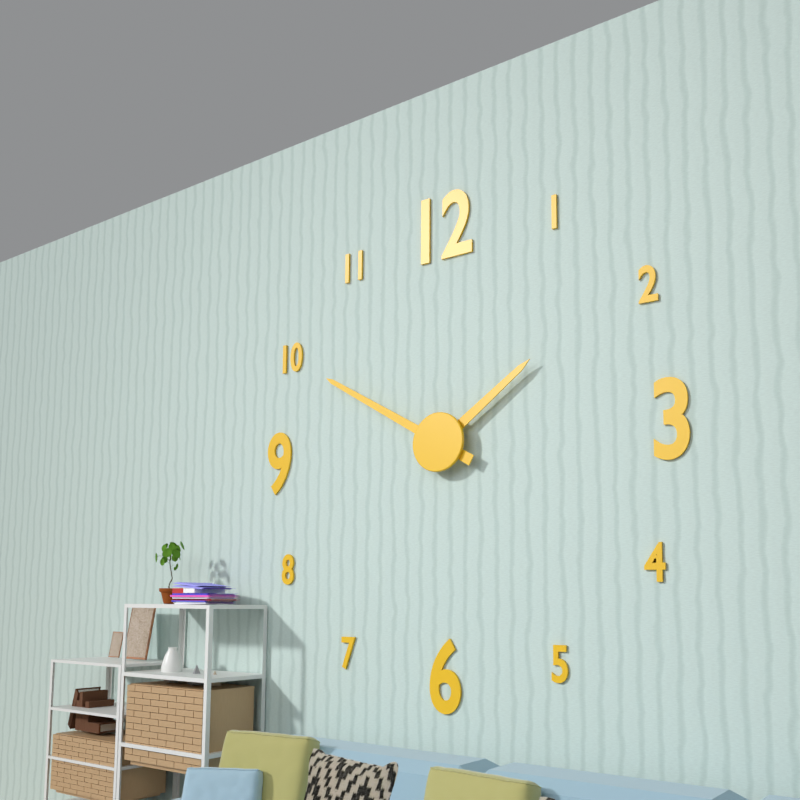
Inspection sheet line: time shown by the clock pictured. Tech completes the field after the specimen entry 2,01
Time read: 1,50
